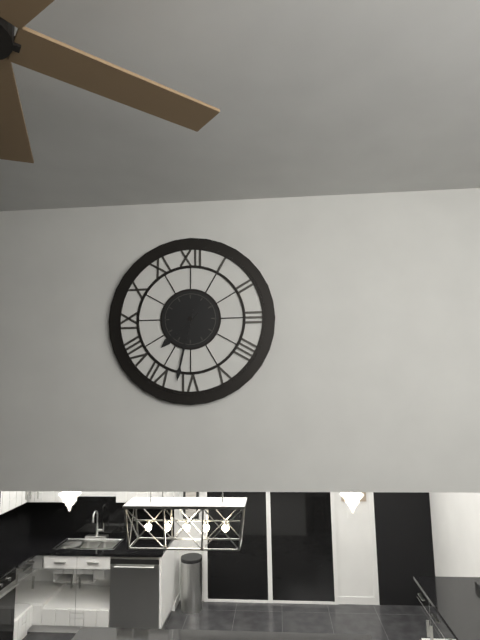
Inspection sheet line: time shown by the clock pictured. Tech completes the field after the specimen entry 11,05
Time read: 7,32
